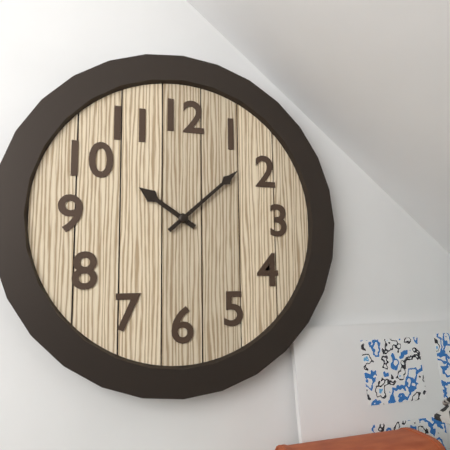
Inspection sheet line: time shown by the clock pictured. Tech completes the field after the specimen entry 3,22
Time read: 10,08
